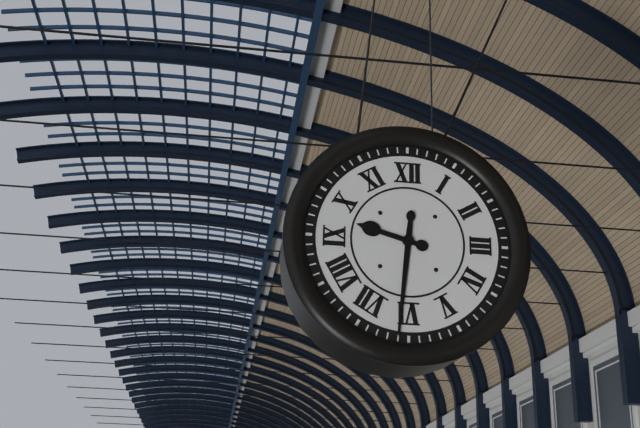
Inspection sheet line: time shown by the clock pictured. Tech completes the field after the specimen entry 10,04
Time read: 9,31
